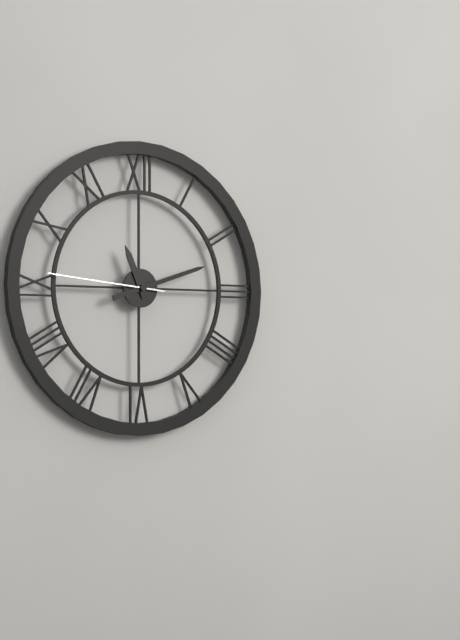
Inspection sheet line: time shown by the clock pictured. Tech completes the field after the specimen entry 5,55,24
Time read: 11,12,46
